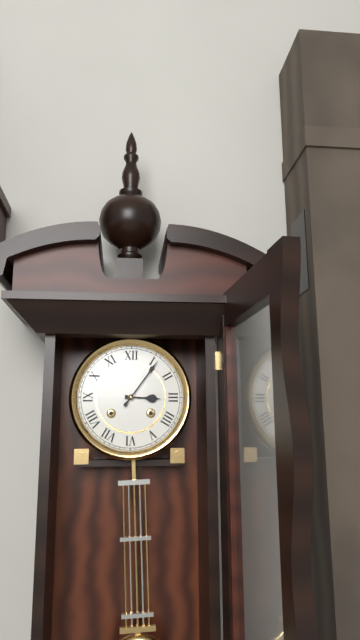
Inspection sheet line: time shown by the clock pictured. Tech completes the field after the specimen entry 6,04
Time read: 3,06
